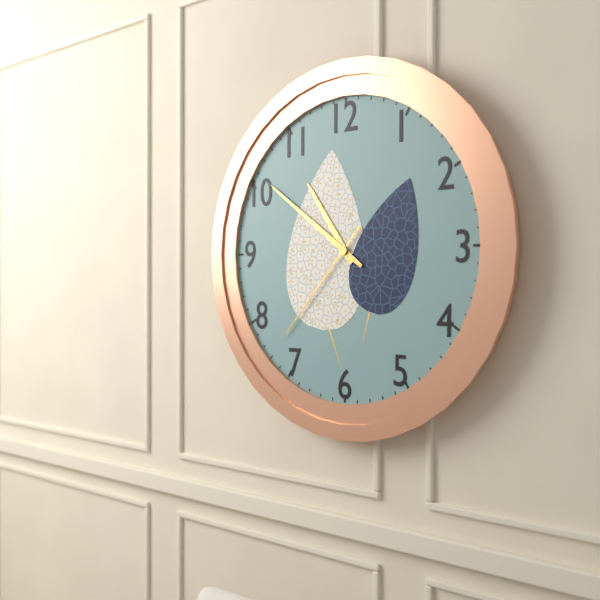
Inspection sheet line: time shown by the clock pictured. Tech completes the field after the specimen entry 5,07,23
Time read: 10,51,37
